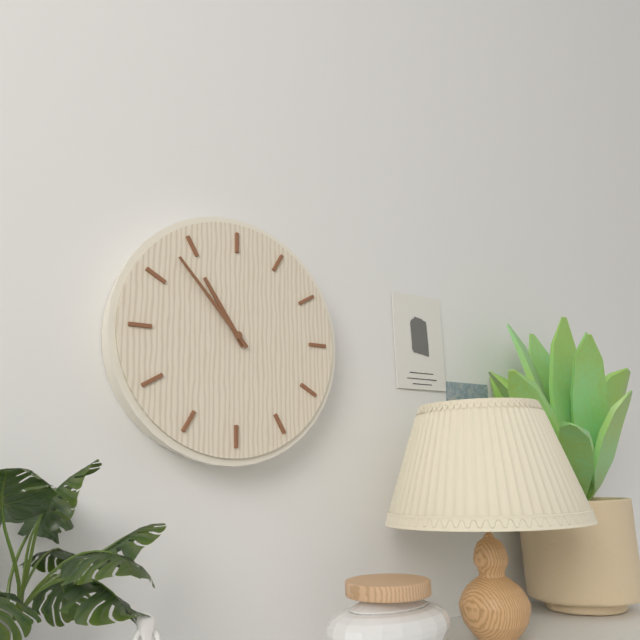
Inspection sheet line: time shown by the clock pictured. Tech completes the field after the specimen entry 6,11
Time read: 10,53
